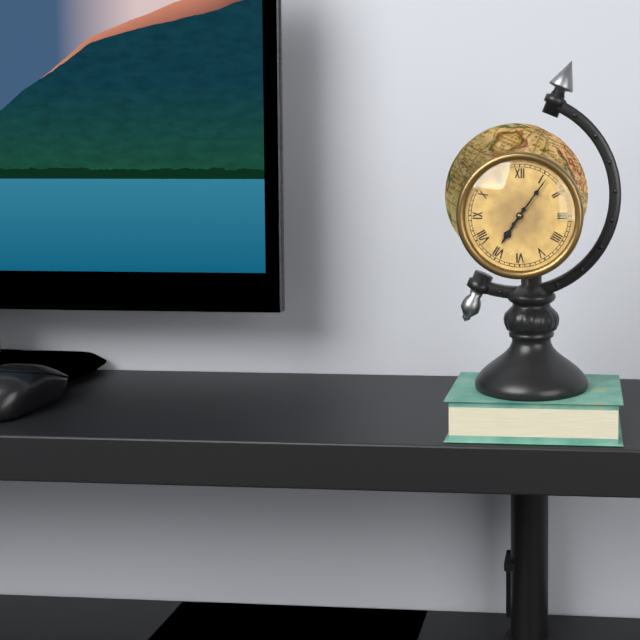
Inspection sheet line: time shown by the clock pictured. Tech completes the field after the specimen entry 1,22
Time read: 7,06
